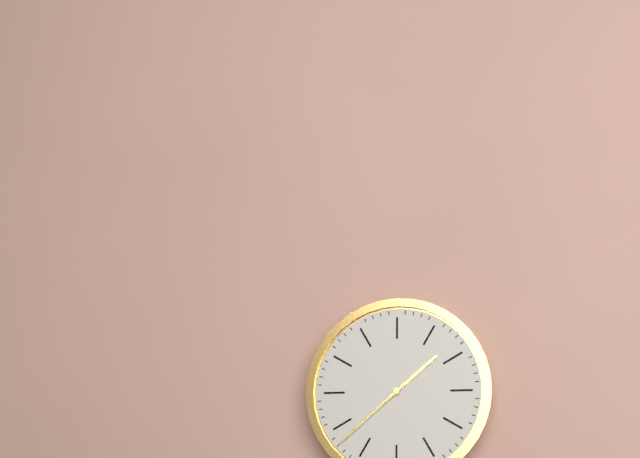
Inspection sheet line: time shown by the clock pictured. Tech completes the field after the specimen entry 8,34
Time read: 1,38
